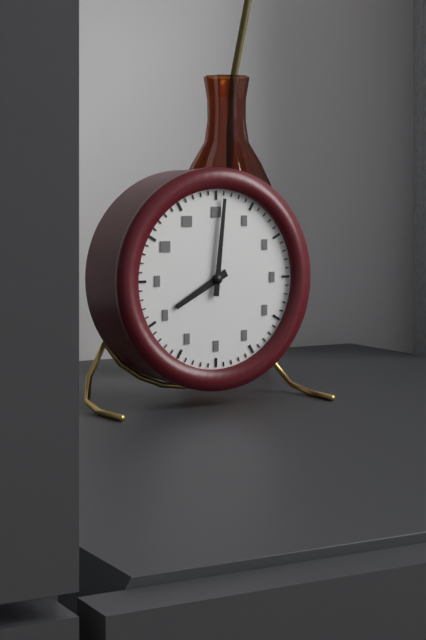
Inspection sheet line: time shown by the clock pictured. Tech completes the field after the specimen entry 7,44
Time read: 8,01
